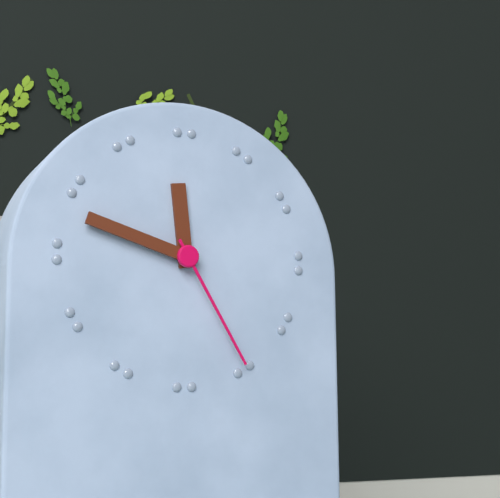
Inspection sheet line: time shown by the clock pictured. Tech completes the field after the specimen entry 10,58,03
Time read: 11,48,25
